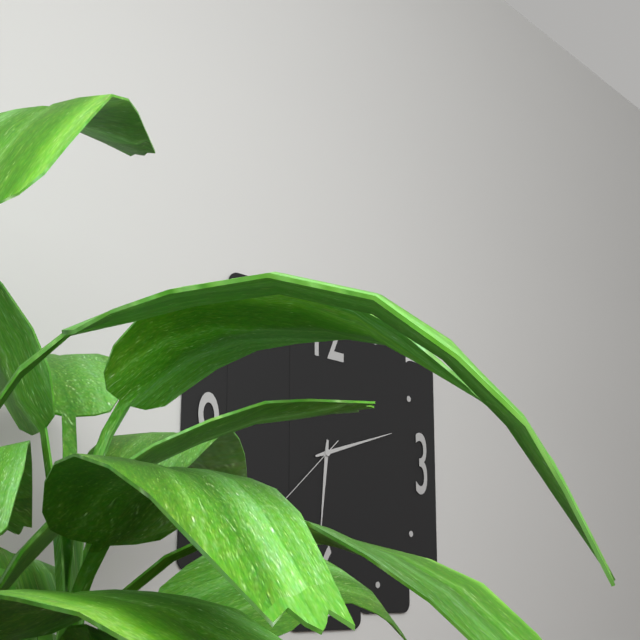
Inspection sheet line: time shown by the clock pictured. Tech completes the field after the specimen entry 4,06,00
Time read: 6,12,38
